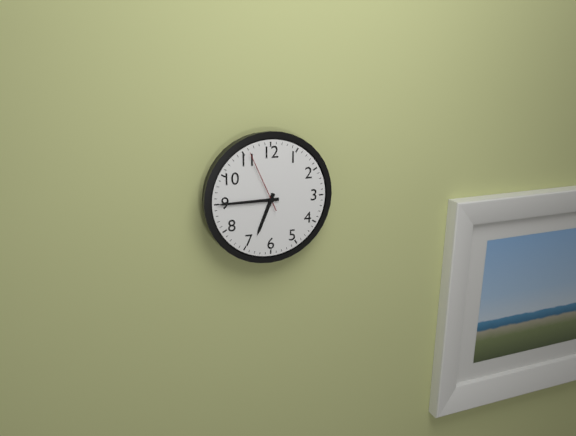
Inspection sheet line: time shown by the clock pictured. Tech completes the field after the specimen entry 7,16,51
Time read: 6,45,56
